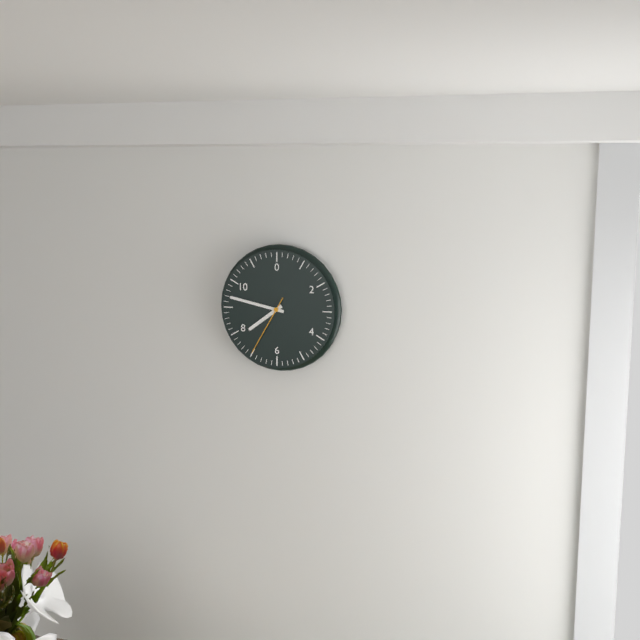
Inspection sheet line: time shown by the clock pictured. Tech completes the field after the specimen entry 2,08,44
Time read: 7,47,35
